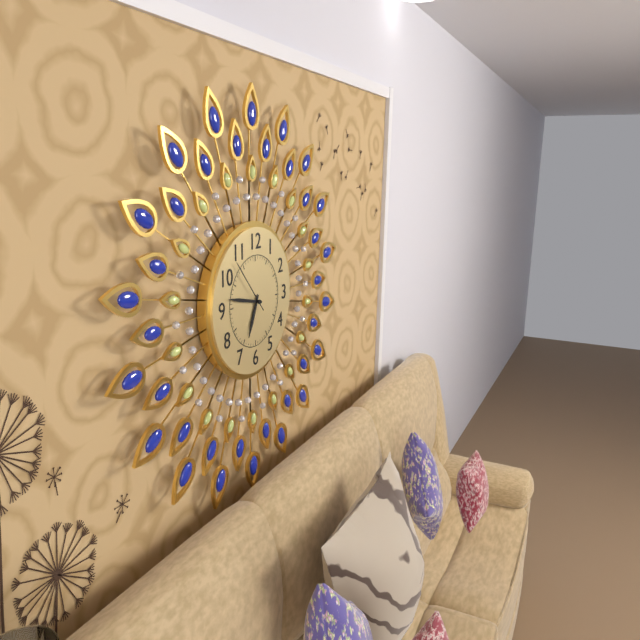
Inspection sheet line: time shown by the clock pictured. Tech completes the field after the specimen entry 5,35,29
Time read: 6,47,53
